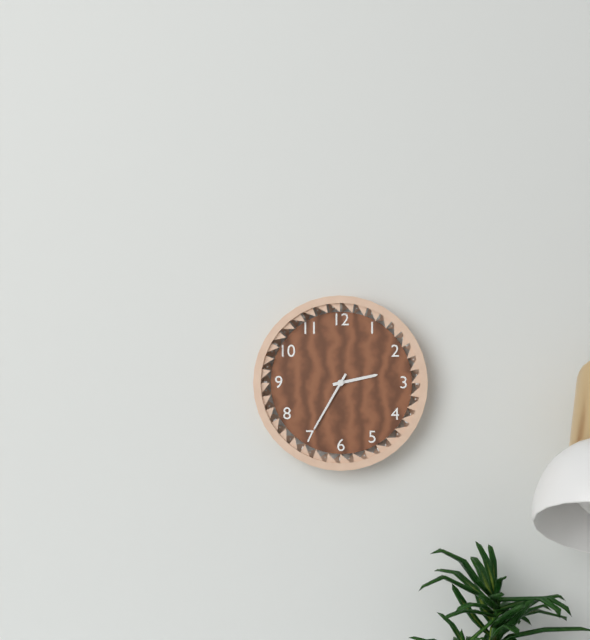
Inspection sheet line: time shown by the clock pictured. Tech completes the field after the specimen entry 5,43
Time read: 2,35
